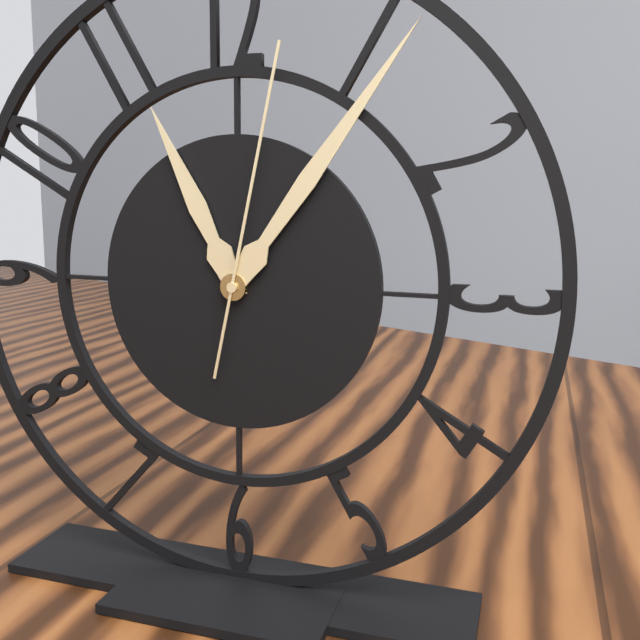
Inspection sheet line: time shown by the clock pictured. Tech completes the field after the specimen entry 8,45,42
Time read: 11,06,02
